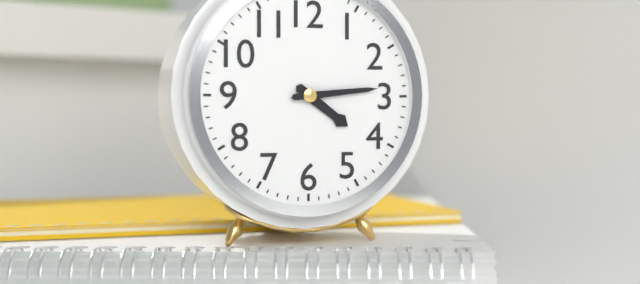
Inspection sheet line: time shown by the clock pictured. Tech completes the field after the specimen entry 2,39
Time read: 4,14
